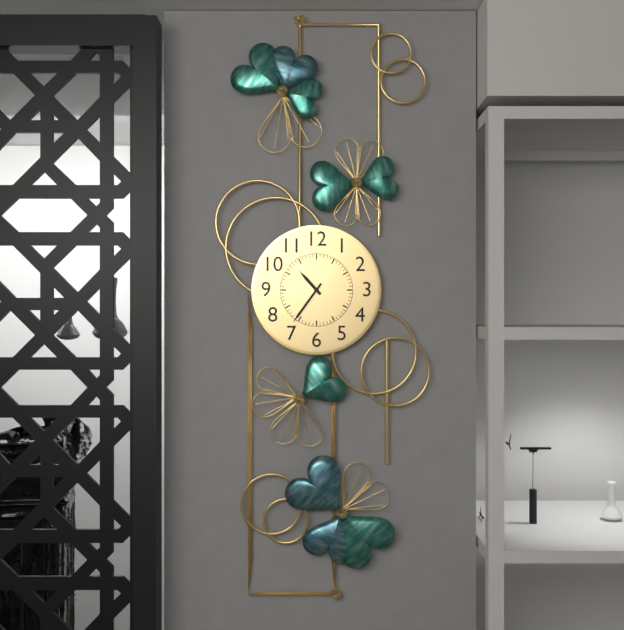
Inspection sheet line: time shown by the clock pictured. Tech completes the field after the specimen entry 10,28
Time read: 10,36
